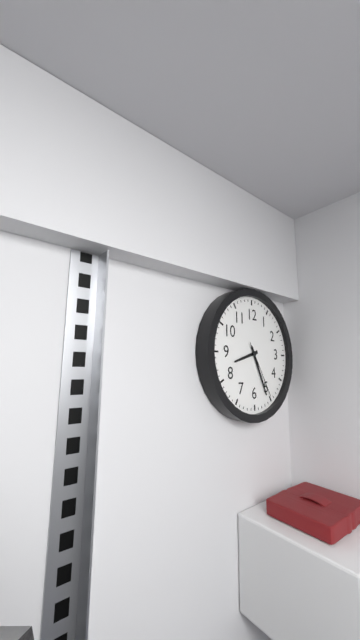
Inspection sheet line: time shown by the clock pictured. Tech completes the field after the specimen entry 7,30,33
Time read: 8,26,25
